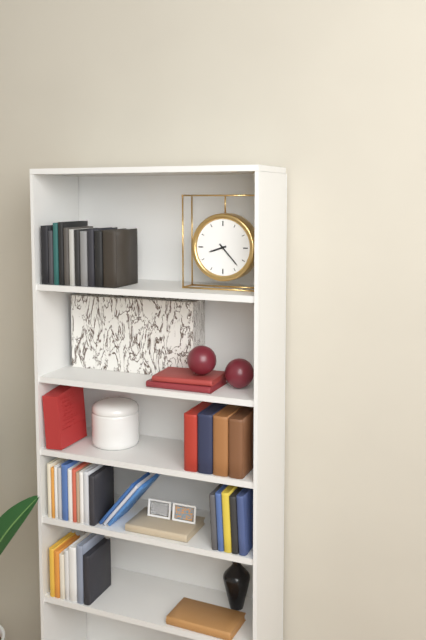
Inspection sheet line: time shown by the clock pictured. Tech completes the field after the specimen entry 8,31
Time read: 8,23
